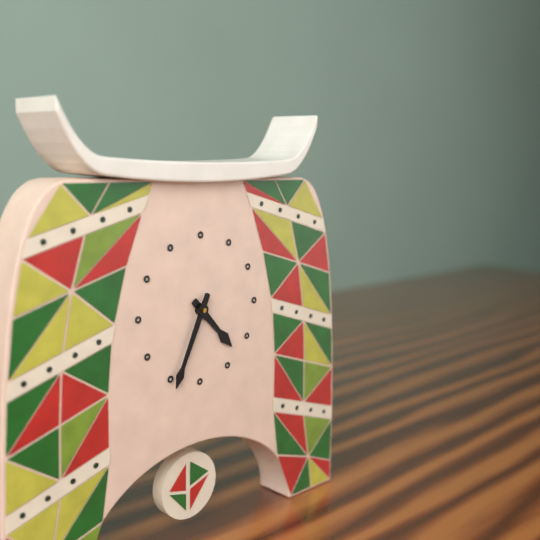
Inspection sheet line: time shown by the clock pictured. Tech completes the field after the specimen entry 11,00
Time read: 4,34
